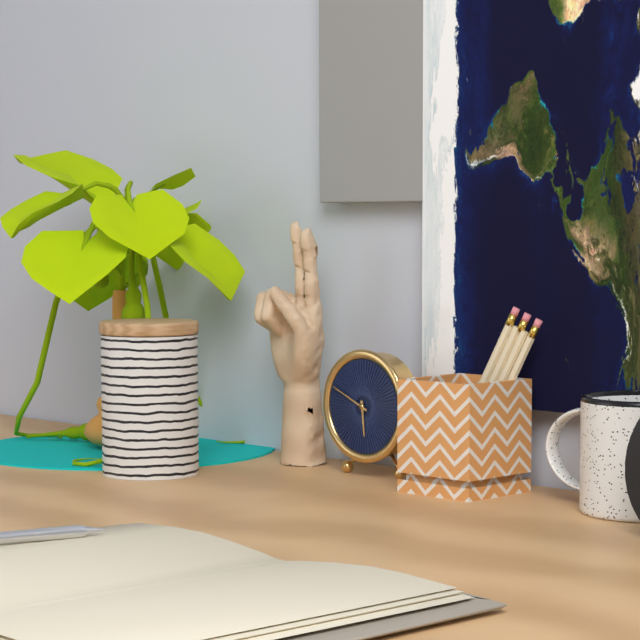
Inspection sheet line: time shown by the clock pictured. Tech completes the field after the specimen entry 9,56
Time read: 5,49
